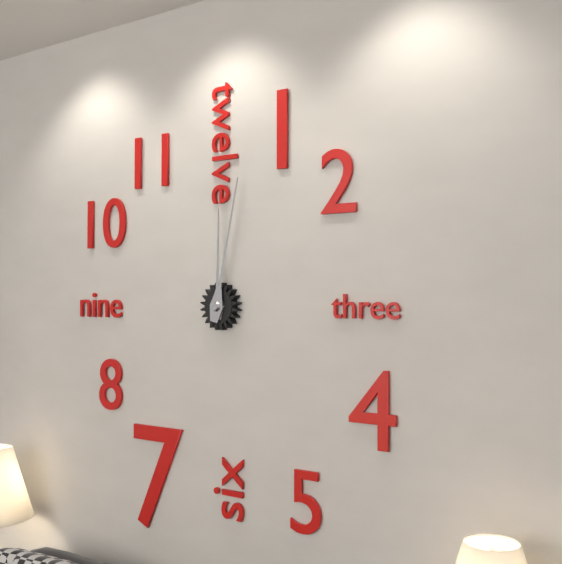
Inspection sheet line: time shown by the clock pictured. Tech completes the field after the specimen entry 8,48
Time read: 12,02
